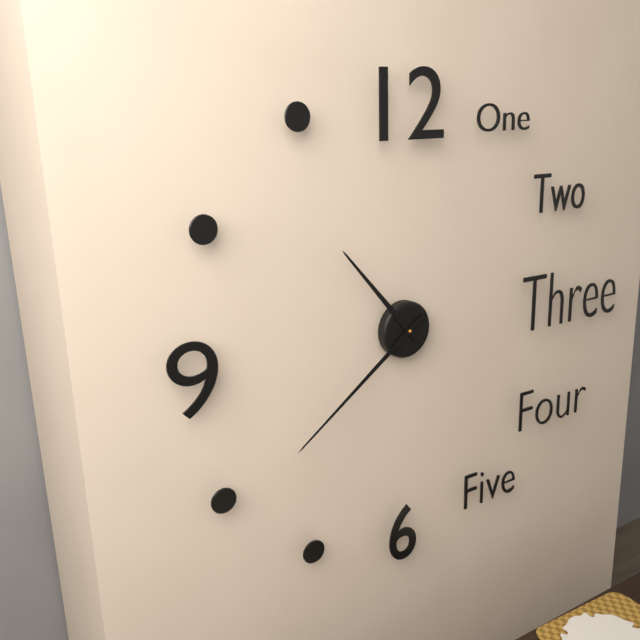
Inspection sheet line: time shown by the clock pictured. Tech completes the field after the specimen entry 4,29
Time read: 10,39
